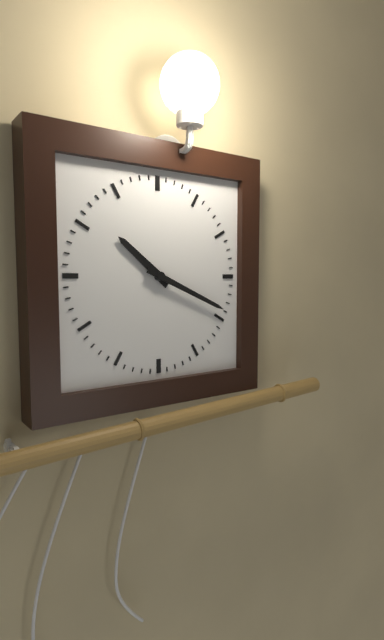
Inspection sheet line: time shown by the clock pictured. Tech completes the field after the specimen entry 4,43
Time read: 10,19
